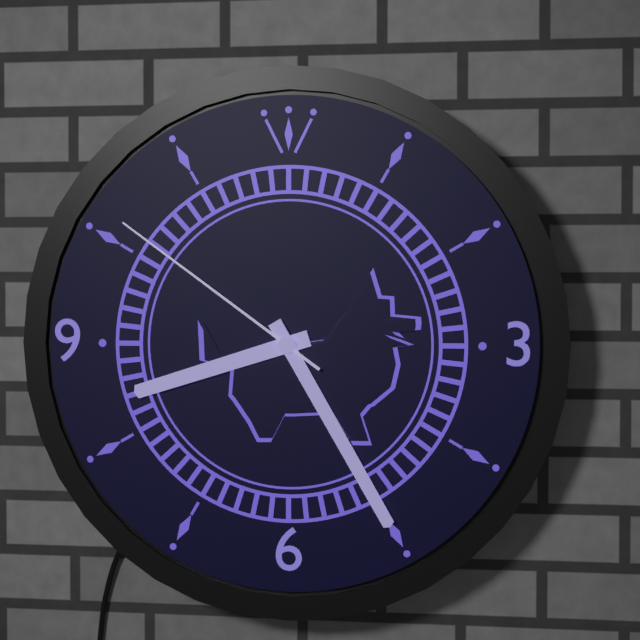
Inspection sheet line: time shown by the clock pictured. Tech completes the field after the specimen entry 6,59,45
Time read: 8,25,51
